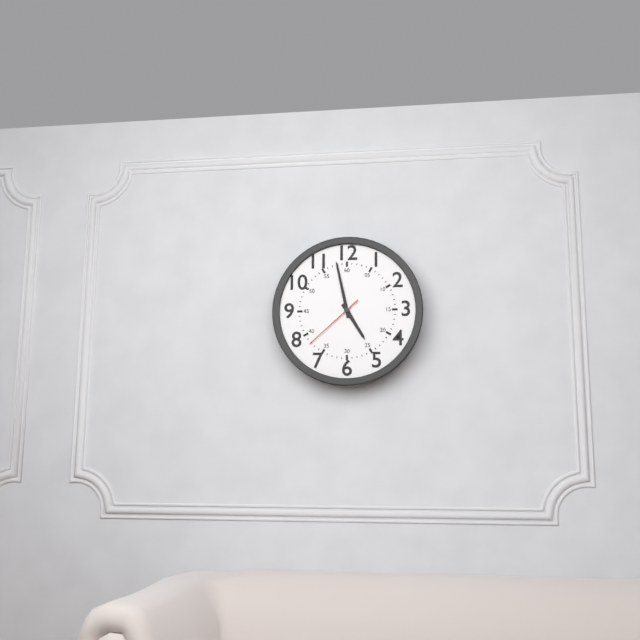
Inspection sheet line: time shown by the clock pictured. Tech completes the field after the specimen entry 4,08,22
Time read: 4,58,38
